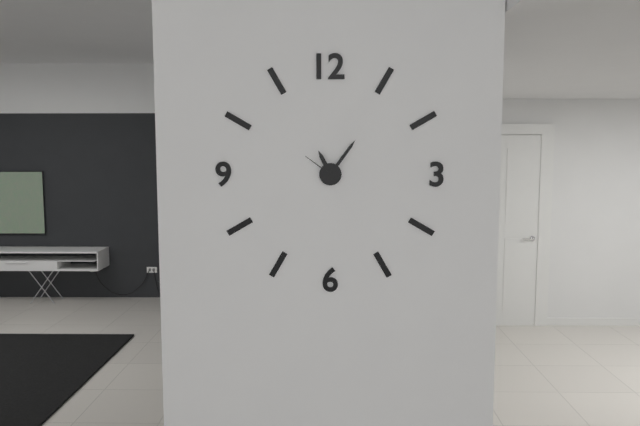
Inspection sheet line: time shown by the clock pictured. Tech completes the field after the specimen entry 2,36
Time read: 11,06
